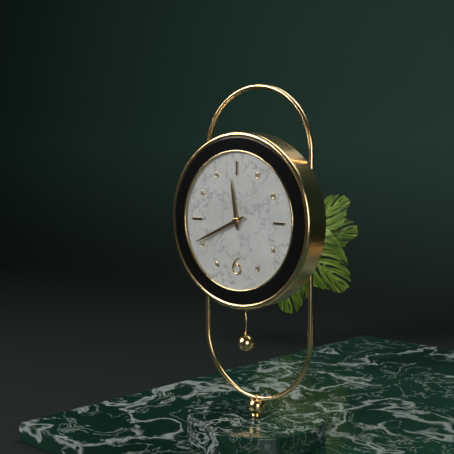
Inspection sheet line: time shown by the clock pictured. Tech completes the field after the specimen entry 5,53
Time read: 11,41
